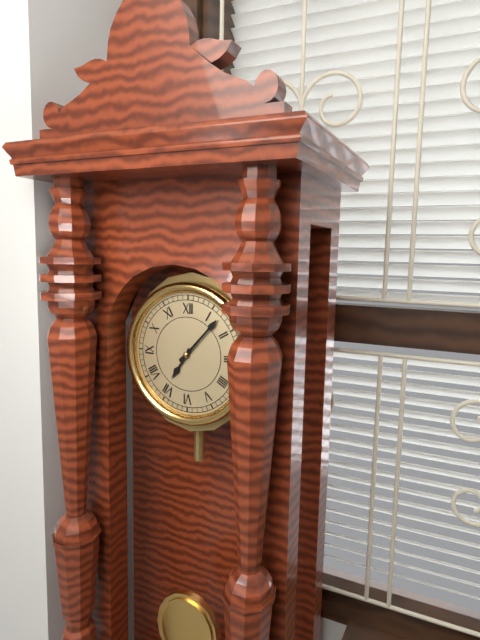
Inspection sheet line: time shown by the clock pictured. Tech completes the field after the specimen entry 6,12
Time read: 7,07
